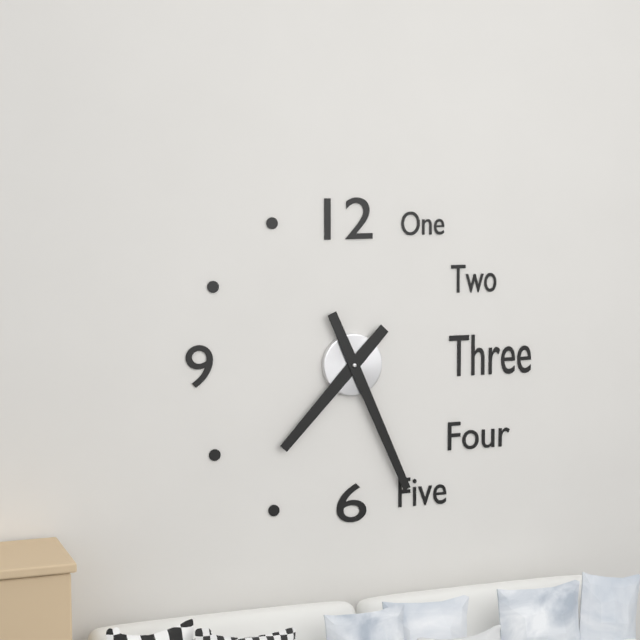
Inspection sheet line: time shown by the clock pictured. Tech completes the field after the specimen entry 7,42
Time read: 7,26
